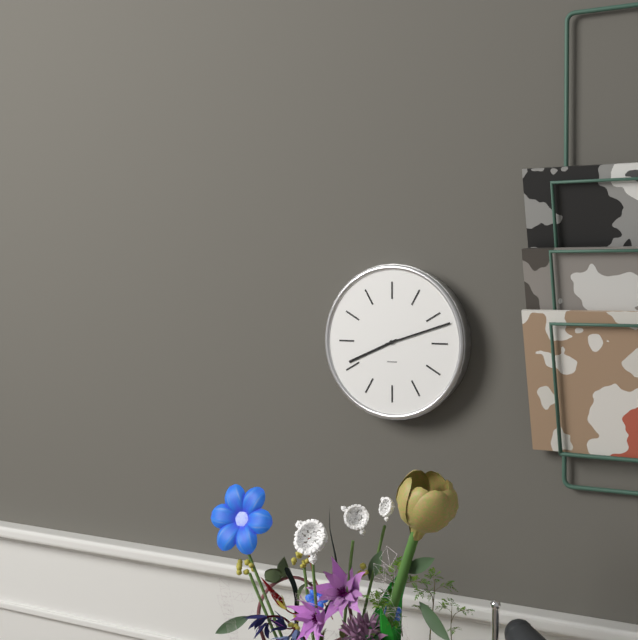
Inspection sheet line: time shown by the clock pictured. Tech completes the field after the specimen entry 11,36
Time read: 8,12
